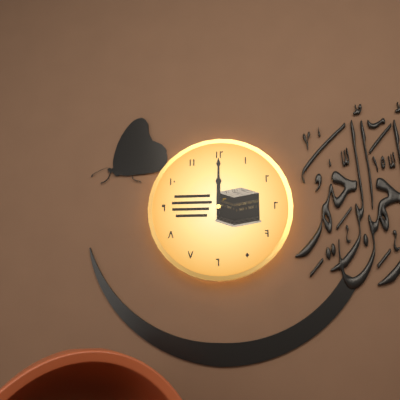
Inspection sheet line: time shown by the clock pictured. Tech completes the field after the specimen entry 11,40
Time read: 12,00
